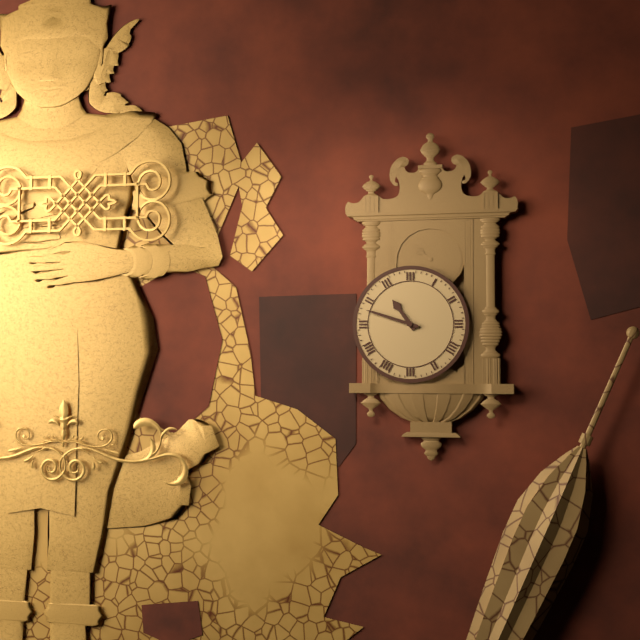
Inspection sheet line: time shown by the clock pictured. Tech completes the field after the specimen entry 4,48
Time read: 10,48
